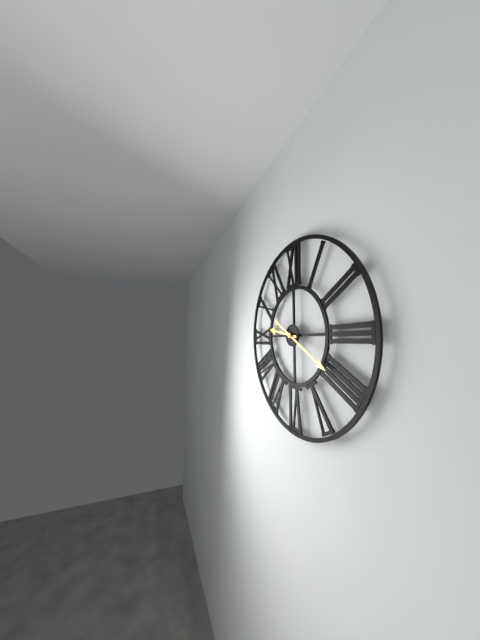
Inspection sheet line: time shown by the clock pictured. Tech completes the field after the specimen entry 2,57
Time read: 9,20
